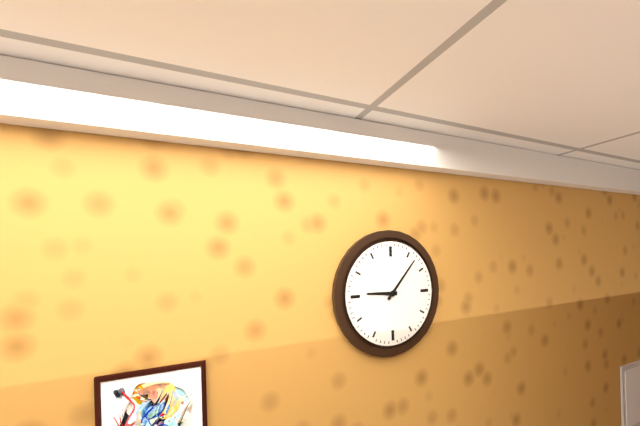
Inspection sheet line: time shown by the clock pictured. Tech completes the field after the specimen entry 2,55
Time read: 9,07
